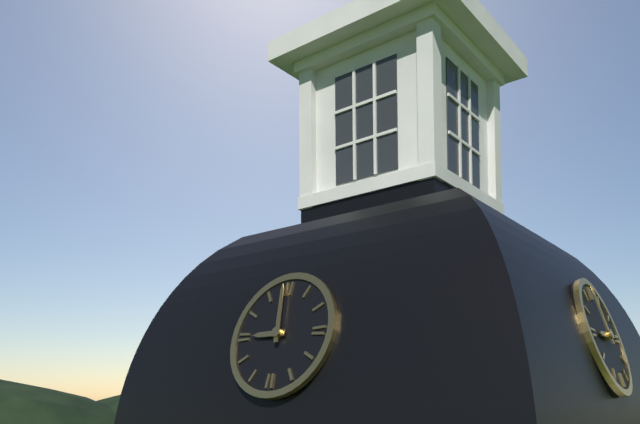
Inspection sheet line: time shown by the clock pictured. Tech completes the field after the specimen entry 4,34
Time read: 8,59
